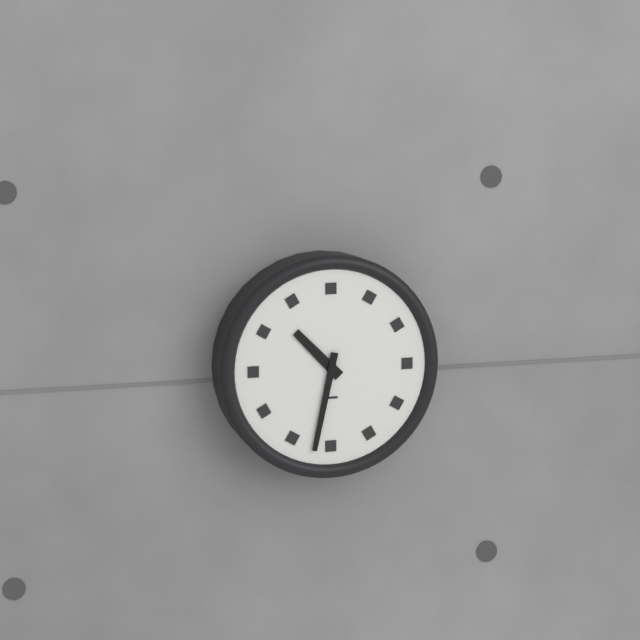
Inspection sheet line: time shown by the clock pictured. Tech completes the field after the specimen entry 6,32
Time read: 10,32
